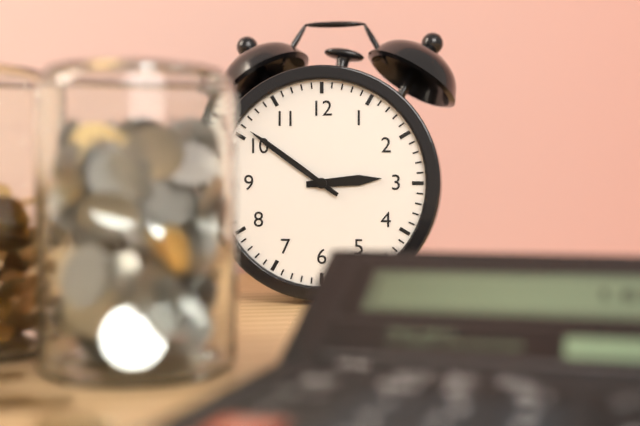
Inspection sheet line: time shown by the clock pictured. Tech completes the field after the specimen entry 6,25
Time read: 2,51
